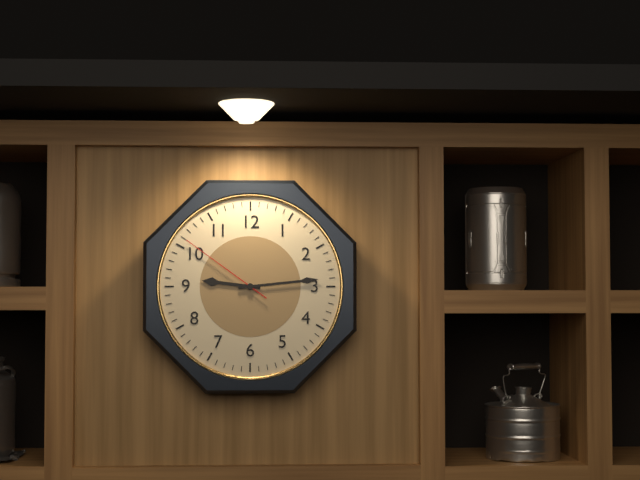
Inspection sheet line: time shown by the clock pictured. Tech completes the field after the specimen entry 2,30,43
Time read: 9,14,51
